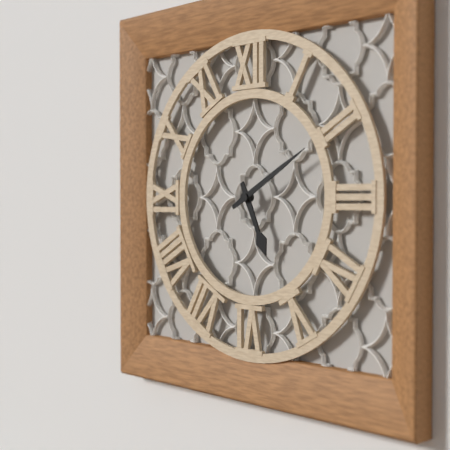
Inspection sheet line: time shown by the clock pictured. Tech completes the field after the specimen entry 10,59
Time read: 5,10
